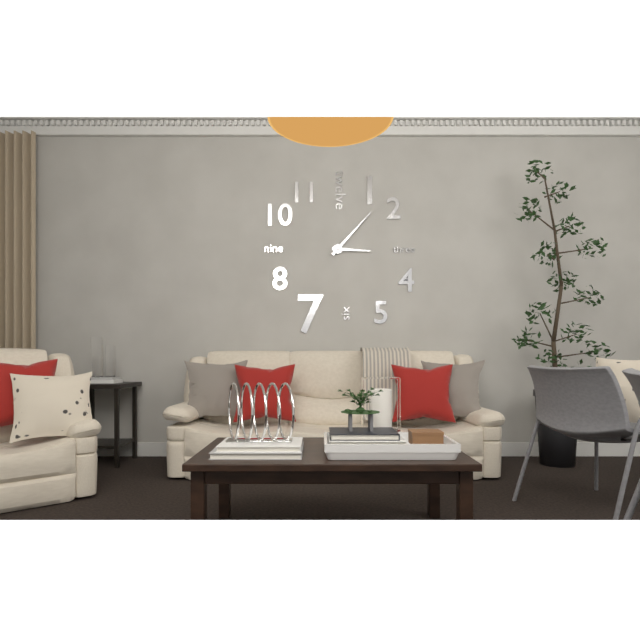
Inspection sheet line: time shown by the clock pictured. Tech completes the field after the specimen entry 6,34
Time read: 3,07
